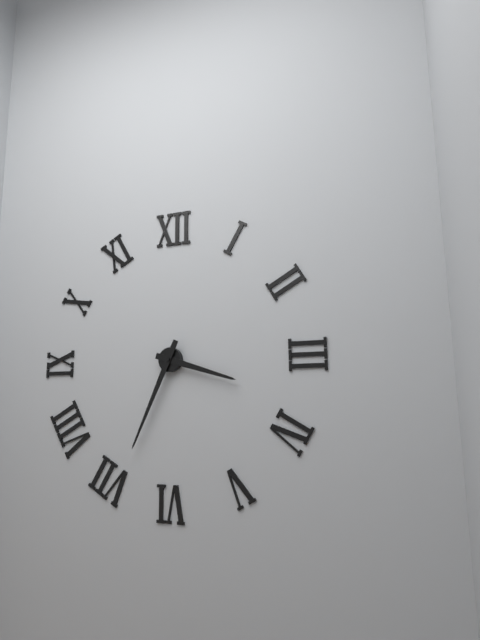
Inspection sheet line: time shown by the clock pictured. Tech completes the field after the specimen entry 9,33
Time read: 3,34
